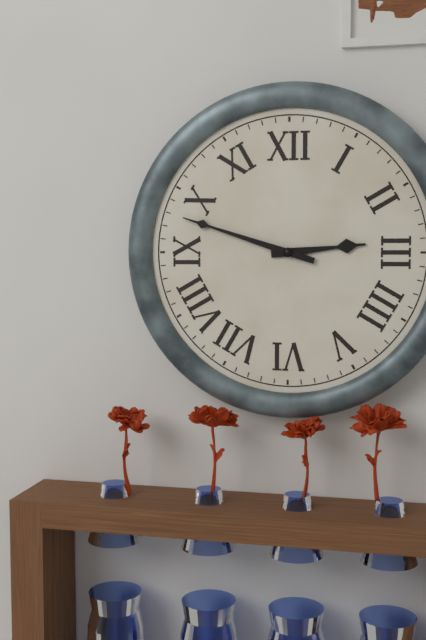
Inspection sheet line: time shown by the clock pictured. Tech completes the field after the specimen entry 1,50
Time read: 2,48
